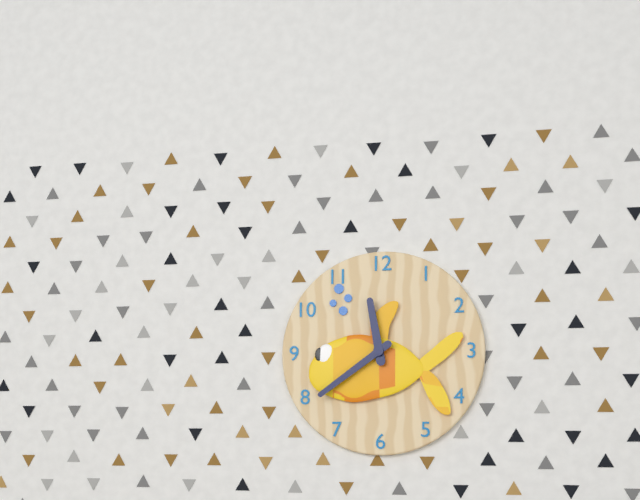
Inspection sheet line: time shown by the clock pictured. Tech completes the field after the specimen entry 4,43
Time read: 11,39
